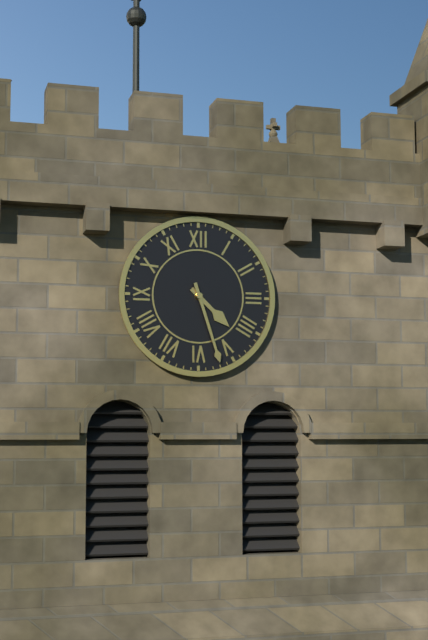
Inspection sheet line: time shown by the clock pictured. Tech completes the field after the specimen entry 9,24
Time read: 4,27
